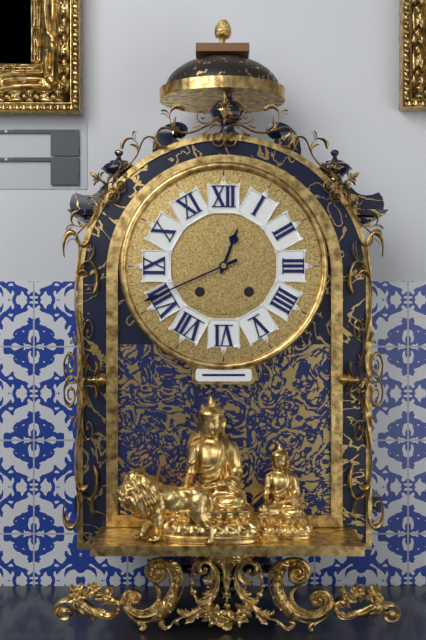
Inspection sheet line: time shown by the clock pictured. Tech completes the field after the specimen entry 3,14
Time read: 12,41
